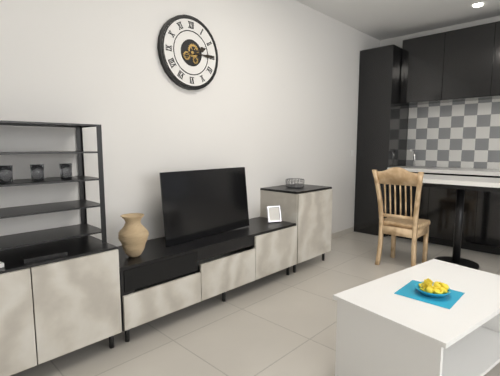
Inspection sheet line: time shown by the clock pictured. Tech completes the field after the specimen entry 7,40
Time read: 2,15
